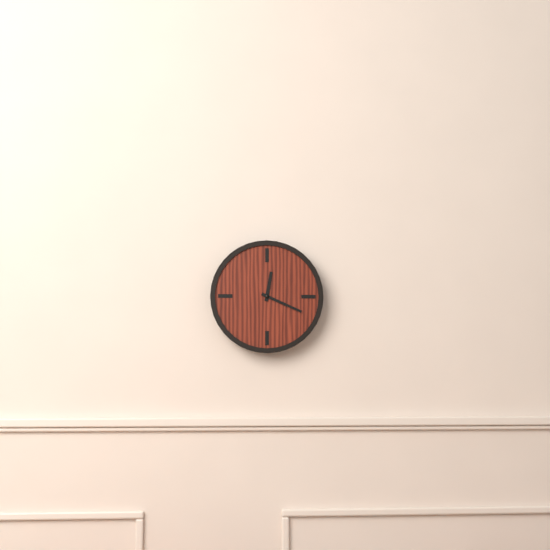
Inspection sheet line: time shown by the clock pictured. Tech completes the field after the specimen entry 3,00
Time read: 12,19
